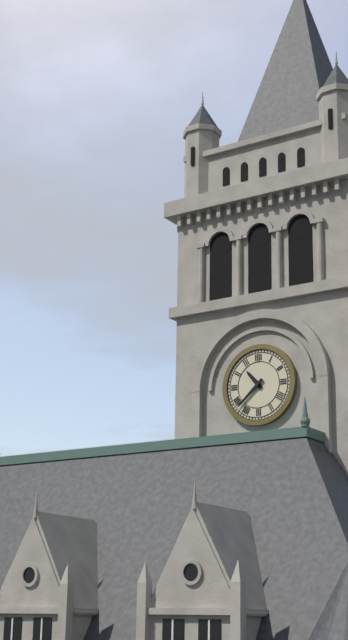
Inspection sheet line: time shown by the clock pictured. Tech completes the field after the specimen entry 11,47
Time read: 10,38
